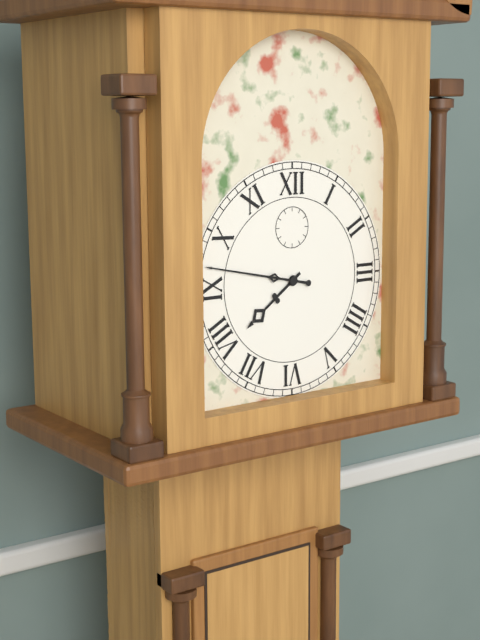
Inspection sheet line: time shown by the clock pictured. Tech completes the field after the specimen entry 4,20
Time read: 7,47
